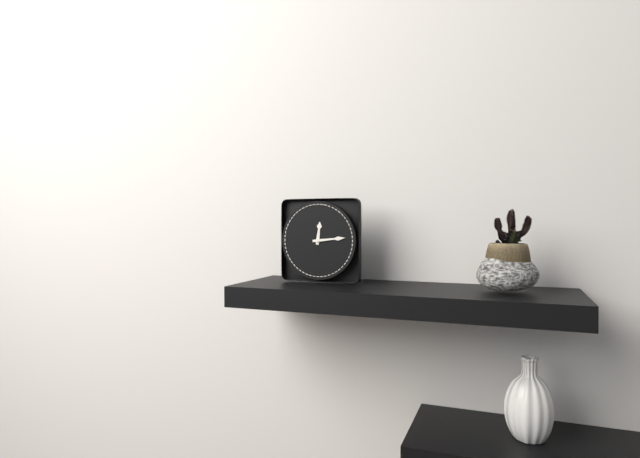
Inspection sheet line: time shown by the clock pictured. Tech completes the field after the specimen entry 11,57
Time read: 12,14
